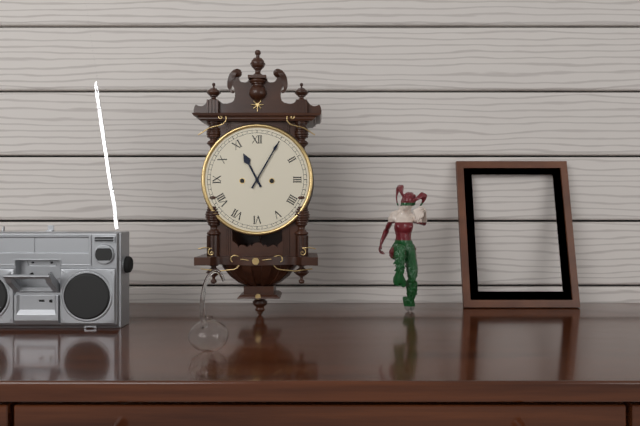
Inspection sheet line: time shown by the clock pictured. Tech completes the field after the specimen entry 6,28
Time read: 11,05
